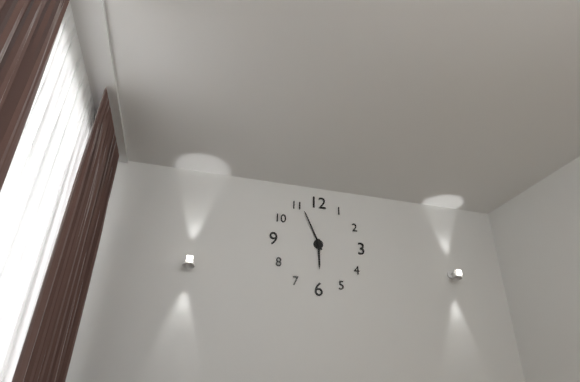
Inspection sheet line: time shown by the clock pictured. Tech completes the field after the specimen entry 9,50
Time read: 5,56
